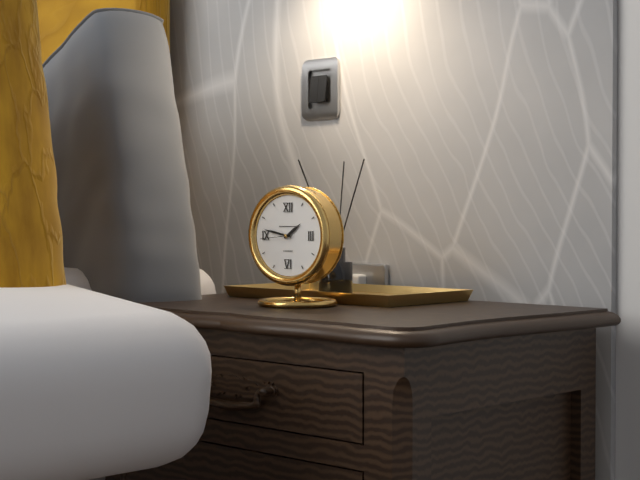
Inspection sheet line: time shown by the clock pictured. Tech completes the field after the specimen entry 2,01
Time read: 1,47
